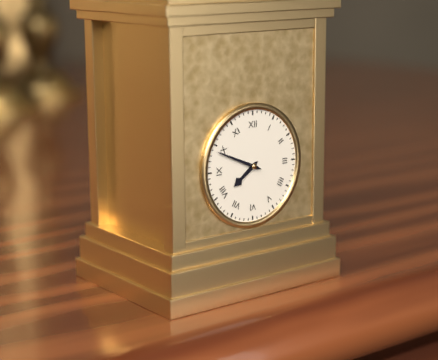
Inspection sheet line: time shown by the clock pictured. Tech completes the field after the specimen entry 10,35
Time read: 7,49
